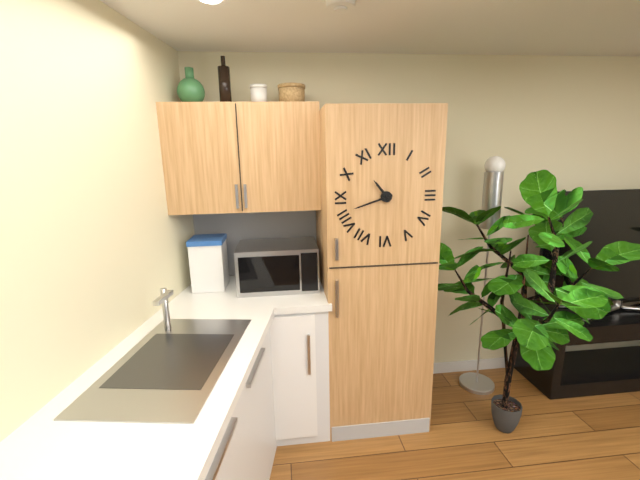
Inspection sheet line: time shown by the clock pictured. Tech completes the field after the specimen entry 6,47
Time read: 10,42
